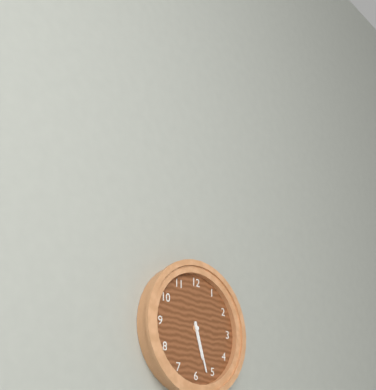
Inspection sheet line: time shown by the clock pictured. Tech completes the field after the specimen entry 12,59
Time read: 5,27
